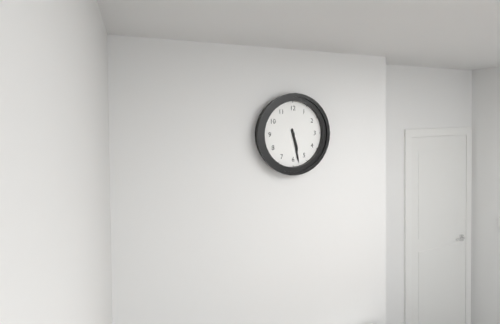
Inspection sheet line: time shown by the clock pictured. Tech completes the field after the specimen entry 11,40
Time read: 5,28
